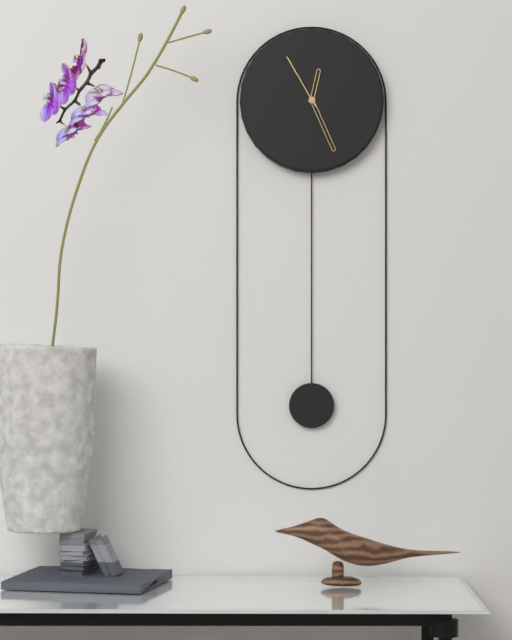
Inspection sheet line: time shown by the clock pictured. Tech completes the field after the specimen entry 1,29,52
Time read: 12,26,55
